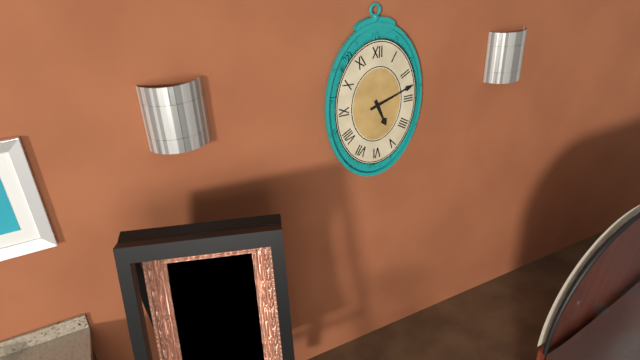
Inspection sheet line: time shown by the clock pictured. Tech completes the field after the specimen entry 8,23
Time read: 5,12
